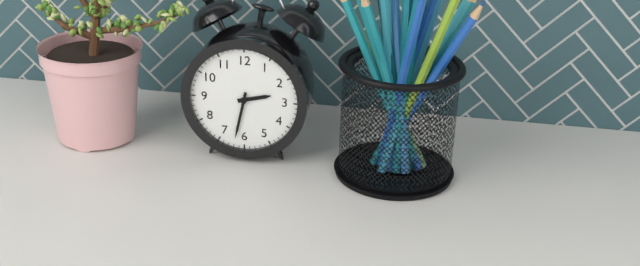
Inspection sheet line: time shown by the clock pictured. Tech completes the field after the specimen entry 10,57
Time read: 2,32
